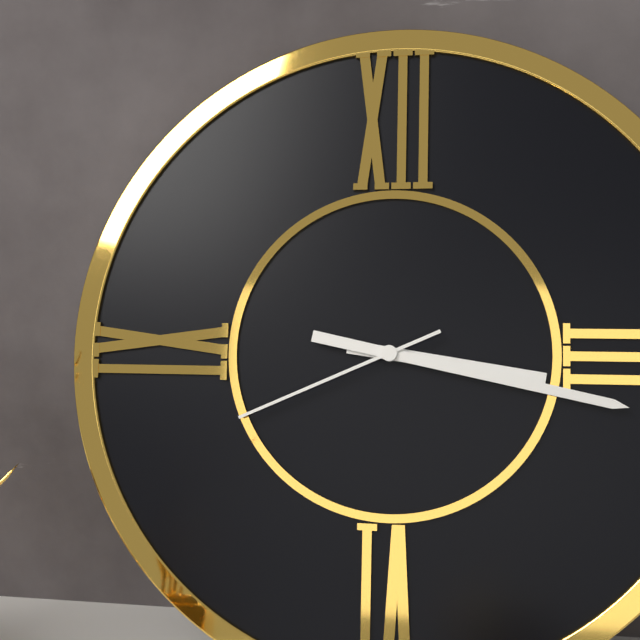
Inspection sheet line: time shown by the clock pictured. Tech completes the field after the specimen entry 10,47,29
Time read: 3,17,41
